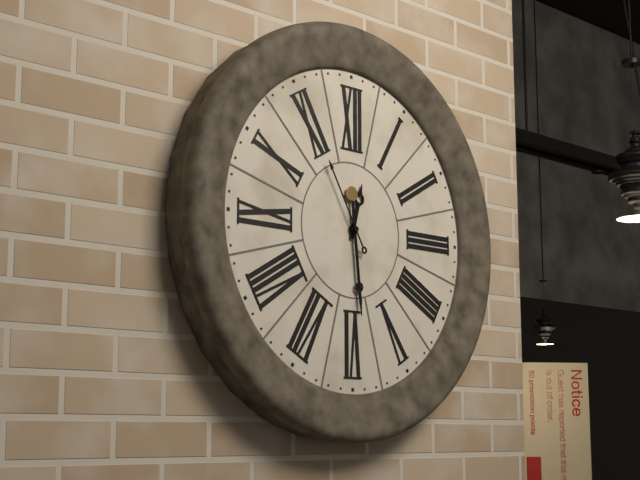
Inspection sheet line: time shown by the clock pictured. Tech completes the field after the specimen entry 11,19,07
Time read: 12,29,55
